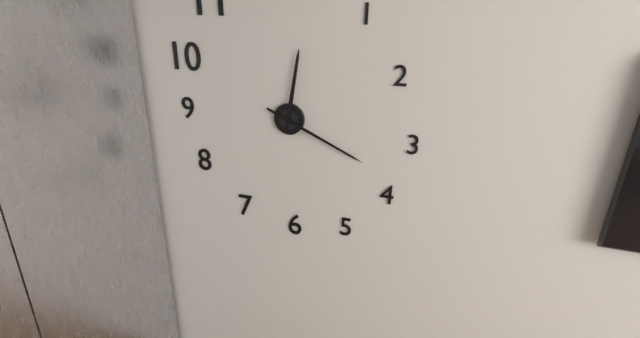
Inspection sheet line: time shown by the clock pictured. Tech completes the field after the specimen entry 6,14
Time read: 12,19
